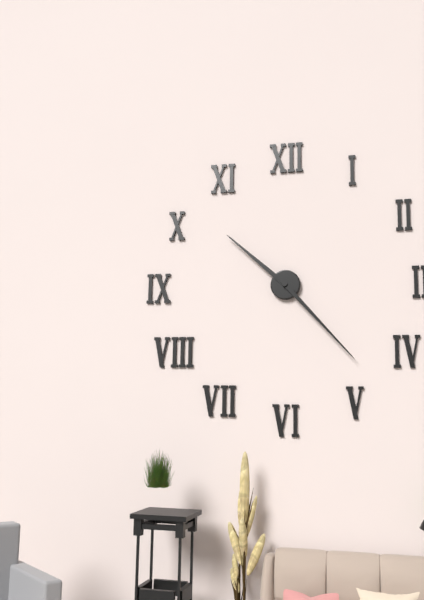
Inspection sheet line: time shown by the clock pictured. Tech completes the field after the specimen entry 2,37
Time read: 10,23
